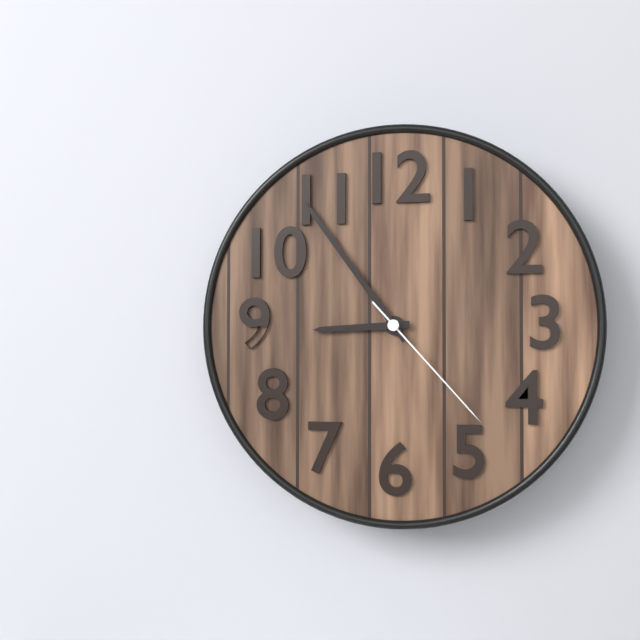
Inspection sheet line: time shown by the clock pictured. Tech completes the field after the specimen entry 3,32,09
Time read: 8,54,23
